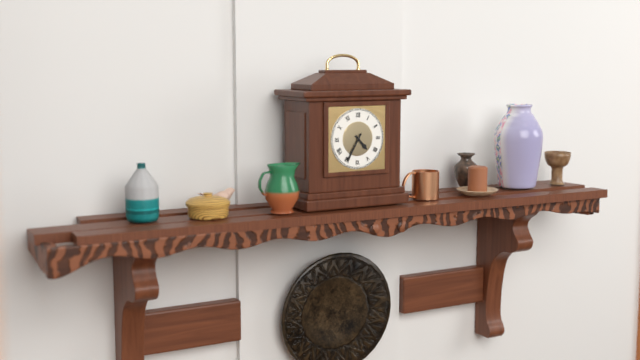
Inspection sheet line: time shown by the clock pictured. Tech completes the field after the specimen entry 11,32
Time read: 4,35
